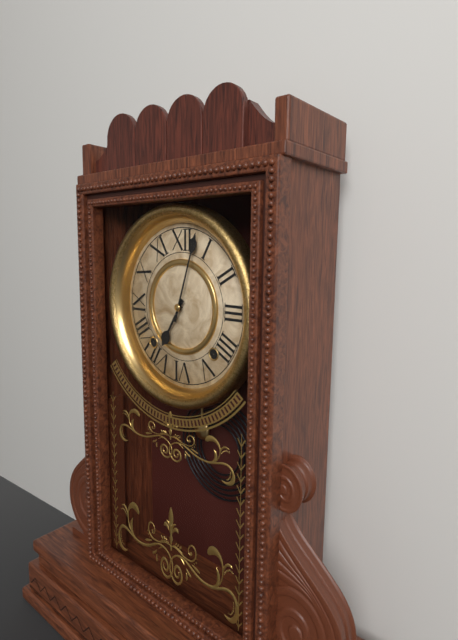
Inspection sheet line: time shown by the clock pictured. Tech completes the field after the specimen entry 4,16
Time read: 7,03
